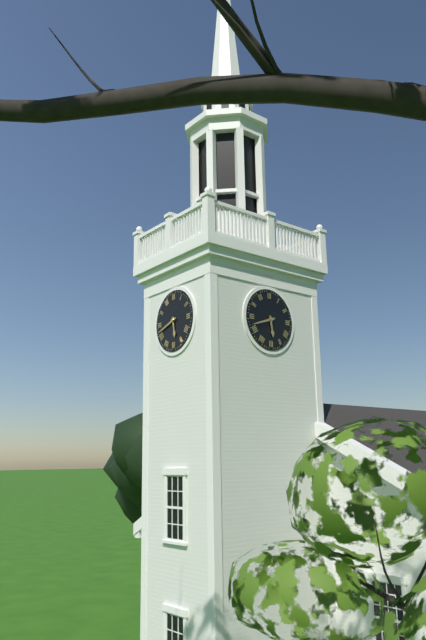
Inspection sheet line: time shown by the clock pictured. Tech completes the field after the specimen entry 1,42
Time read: 5,42
